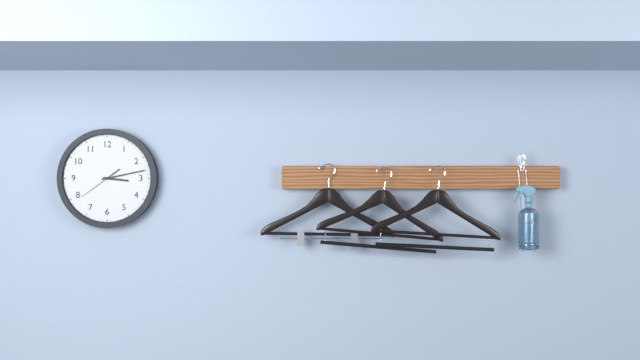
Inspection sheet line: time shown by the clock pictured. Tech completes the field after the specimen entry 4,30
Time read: 3,13
